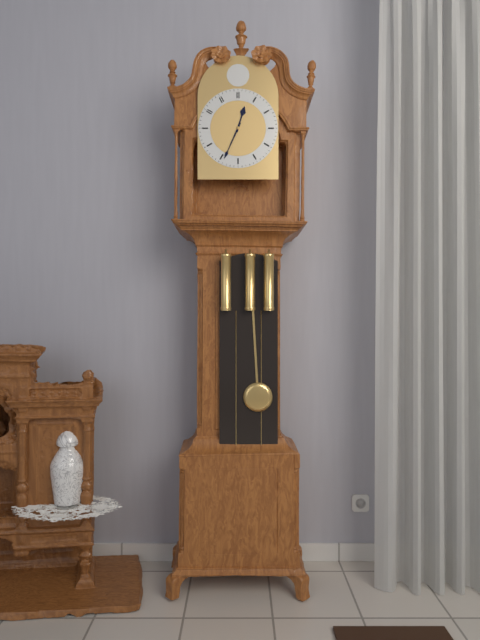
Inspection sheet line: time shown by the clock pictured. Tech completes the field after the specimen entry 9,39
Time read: 12,34
